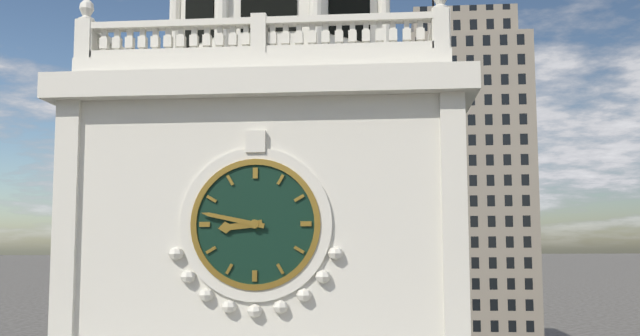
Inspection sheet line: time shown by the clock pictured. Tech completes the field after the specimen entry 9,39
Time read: 8,47
